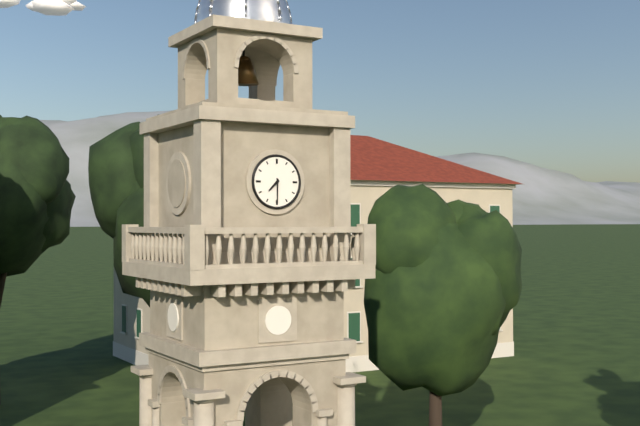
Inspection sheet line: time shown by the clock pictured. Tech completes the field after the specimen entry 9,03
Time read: 7,30
